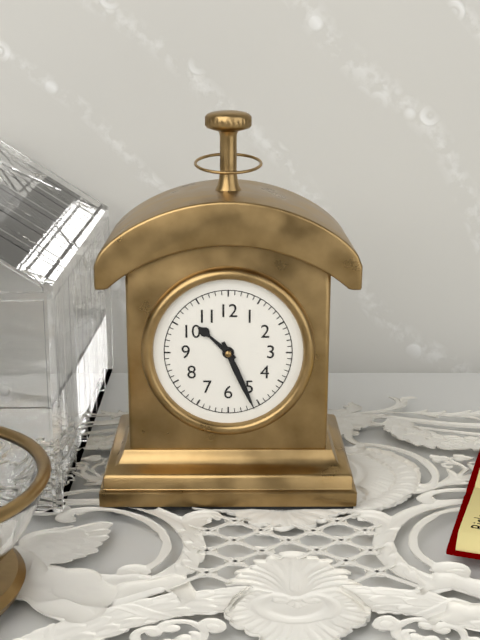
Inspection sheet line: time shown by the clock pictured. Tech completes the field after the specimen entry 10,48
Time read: 10,26
